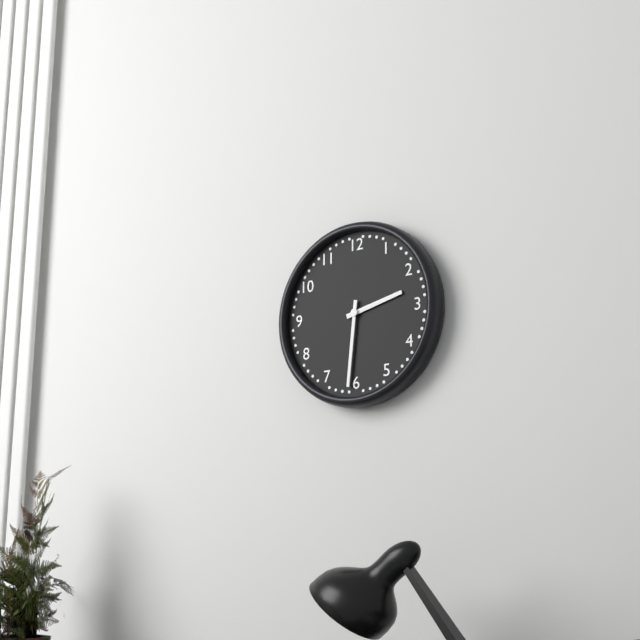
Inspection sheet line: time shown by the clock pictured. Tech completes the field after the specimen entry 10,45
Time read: 2,31
